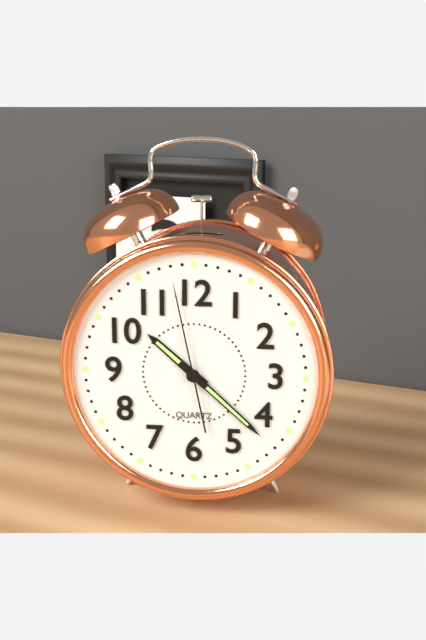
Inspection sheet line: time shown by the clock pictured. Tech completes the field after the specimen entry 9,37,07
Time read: 10,22,58
